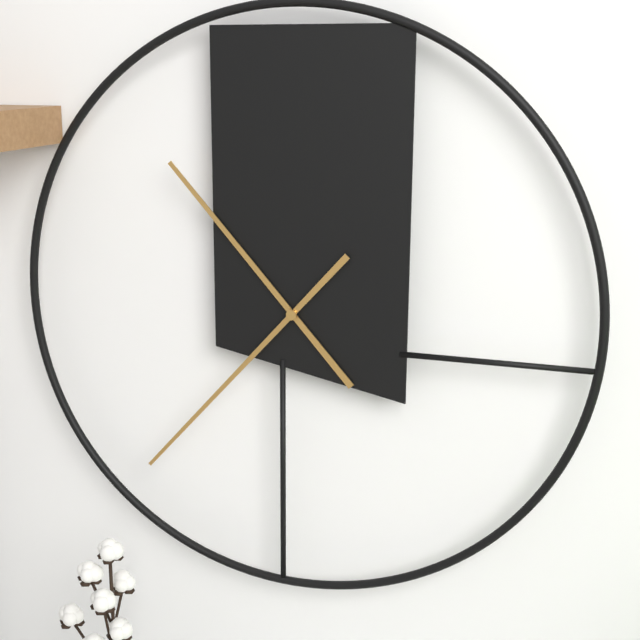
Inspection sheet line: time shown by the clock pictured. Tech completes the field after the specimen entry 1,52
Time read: 10,37
